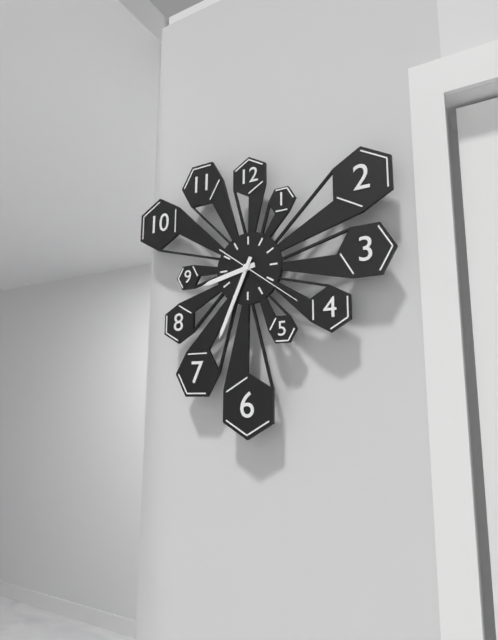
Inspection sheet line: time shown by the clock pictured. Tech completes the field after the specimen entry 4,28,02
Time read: 8,34,21
